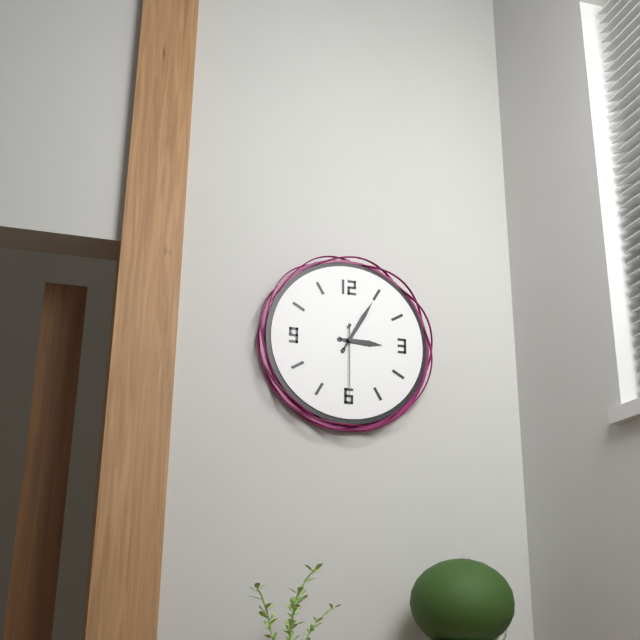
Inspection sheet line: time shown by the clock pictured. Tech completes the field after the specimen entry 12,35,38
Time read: 3,05,30
